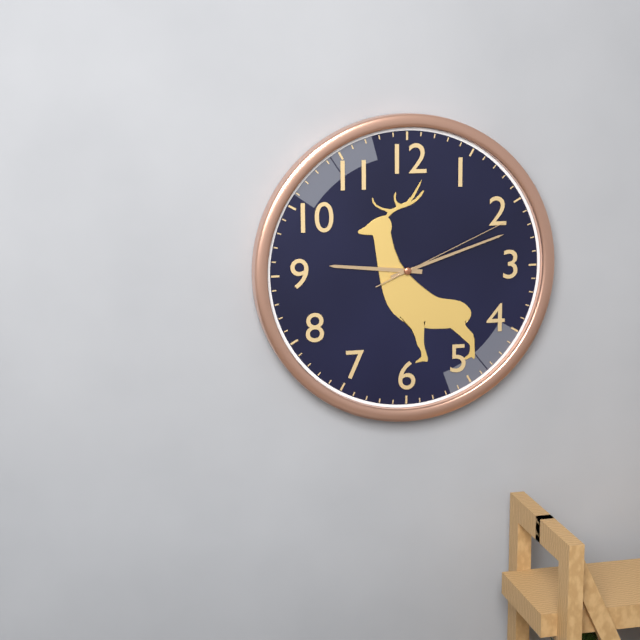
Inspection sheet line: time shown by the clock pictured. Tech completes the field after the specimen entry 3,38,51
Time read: 9,12,11
